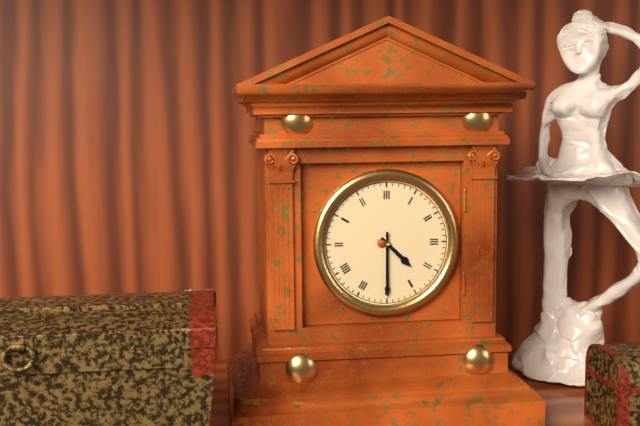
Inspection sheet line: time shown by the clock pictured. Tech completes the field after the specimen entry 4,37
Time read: 4,30
